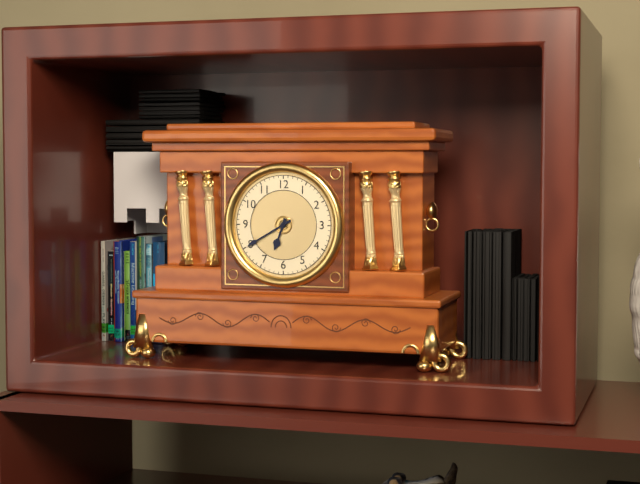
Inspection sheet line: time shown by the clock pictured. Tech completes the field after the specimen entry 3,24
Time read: 6,40
